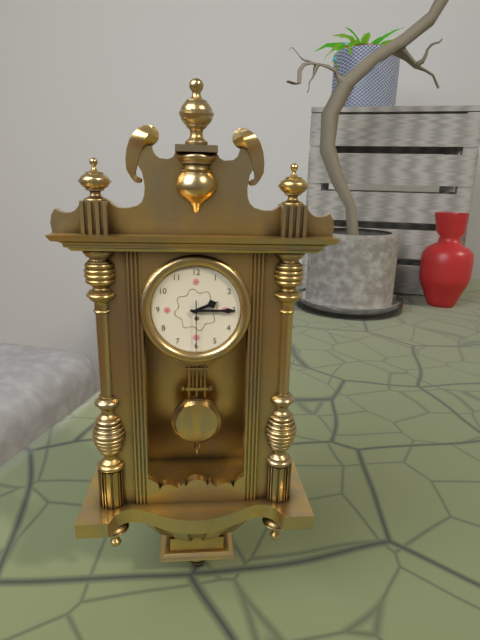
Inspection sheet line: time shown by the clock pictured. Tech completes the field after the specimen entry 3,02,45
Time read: 2,15,30
